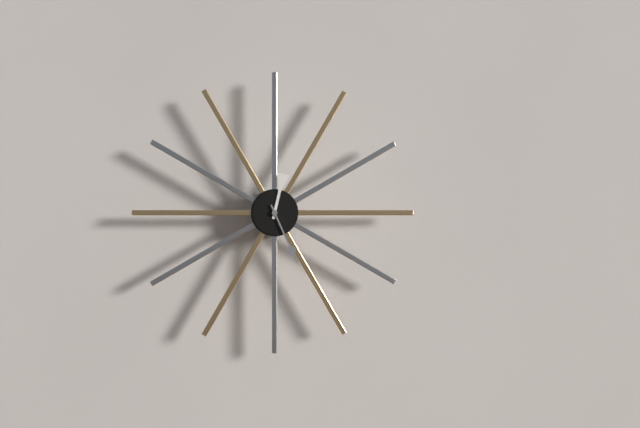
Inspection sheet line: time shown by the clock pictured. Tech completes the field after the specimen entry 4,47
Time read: 12,26
